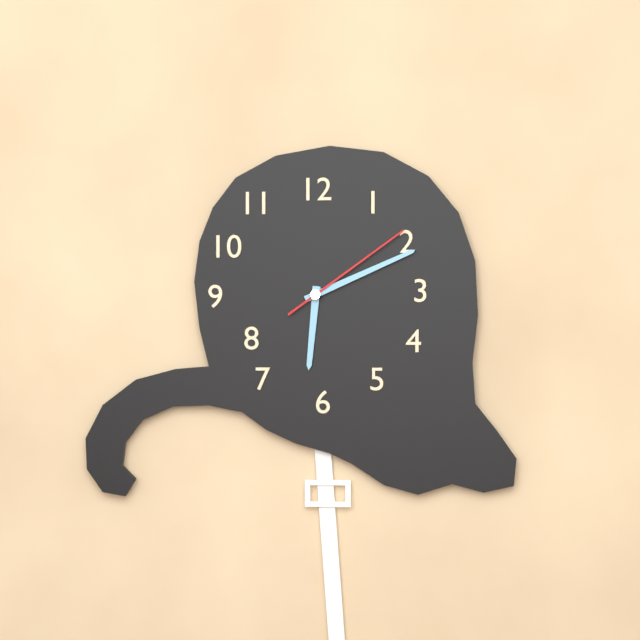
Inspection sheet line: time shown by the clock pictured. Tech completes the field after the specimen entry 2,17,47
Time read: 6,11,09
